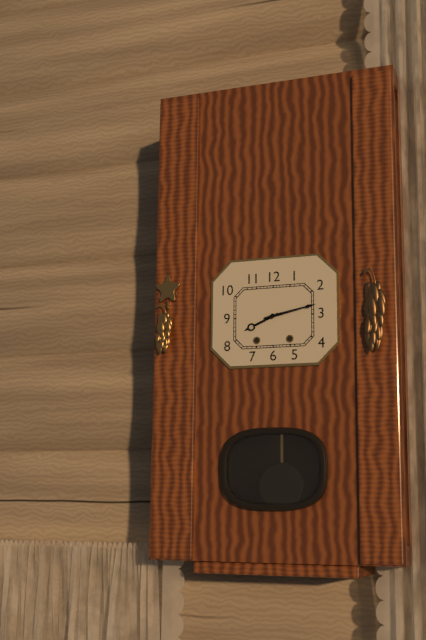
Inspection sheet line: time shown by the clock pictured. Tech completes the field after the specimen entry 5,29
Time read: 8,13
